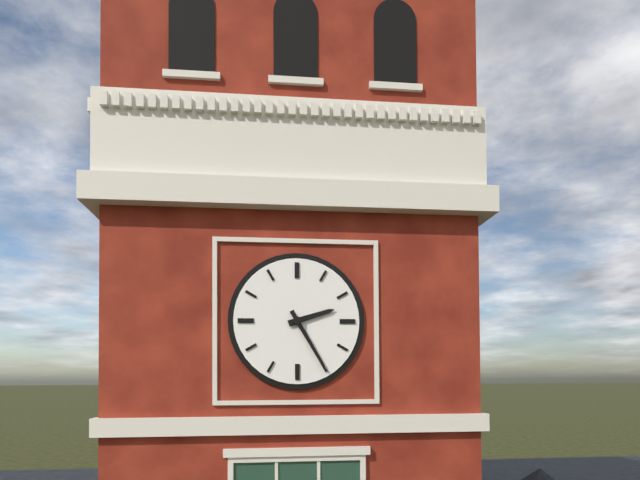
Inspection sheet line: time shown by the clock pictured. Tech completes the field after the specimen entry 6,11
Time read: 2,25
